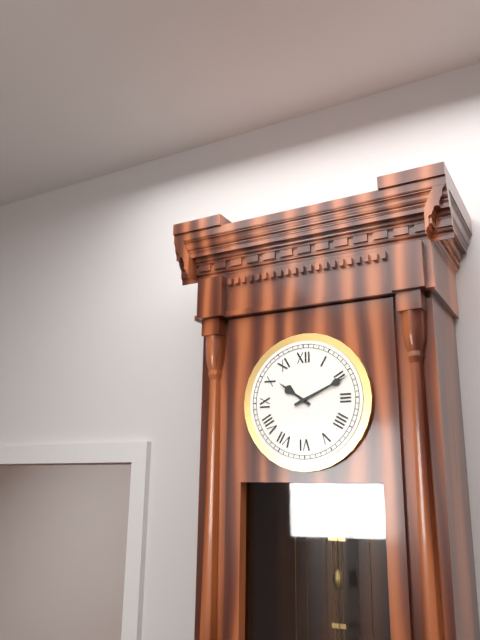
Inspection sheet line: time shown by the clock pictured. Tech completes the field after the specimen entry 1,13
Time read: 10,11
